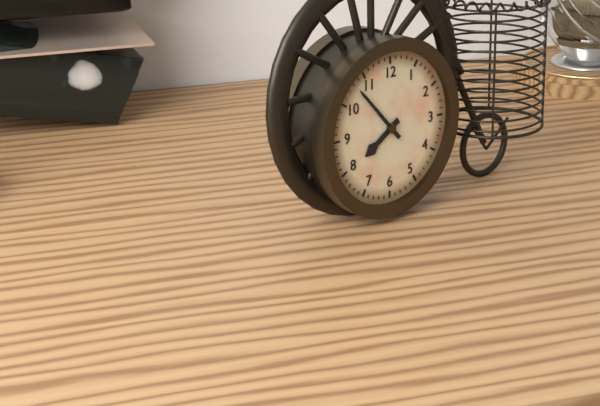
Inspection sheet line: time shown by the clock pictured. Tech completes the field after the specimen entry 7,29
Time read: 7,53
